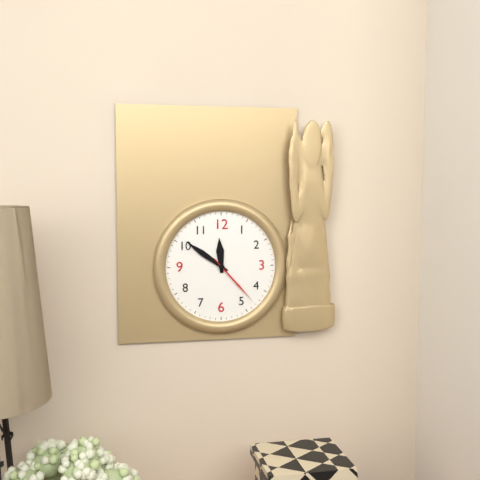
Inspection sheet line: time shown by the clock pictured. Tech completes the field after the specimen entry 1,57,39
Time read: 11,51,23
